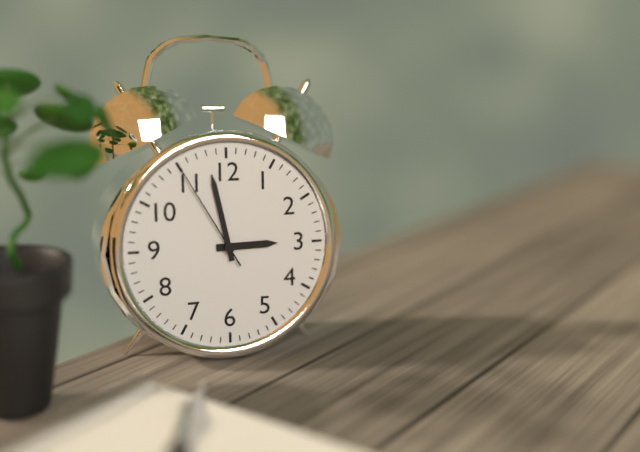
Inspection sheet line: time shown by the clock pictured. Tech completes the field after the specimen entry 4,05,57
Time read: 2,58,55
